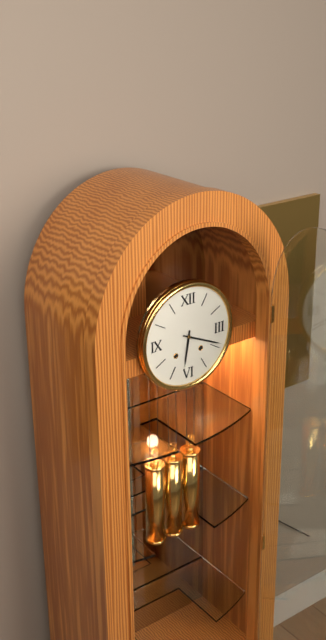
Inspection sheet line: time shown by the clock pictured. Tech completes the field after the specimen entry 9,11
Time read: 6,19
